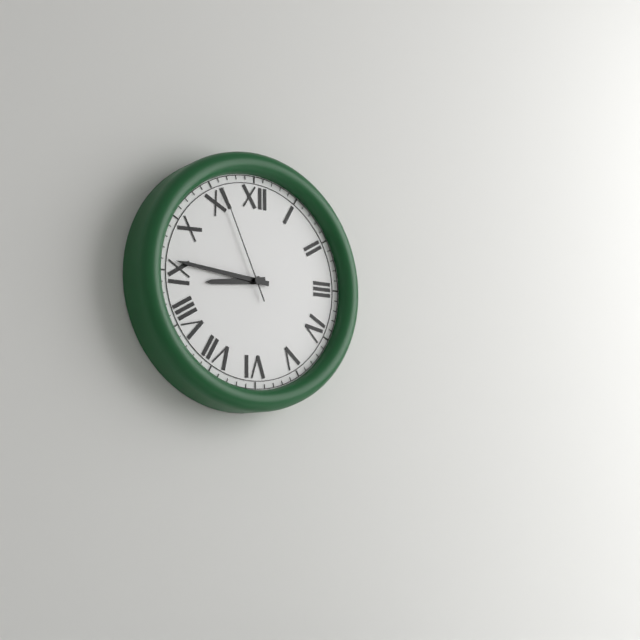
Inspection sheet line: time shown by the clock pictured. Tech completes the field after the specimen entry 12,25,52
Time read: 8,46,56
